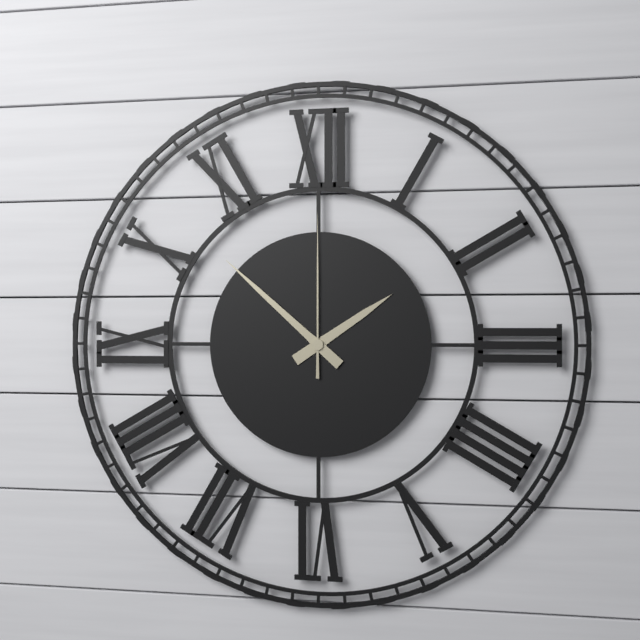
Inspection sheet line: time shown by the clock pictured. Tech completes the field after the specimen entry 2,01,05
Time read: 1,52,00
